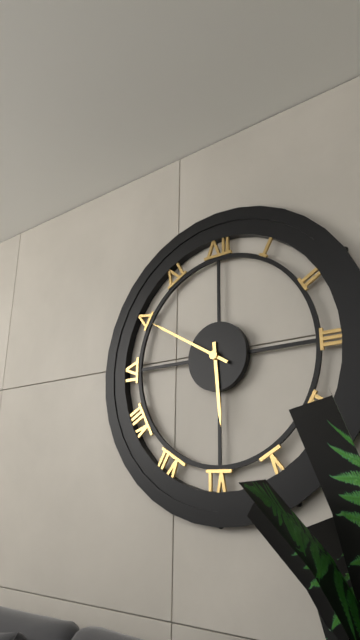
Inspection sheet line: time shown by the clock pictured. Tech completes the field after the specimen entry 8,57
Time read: 5,50
